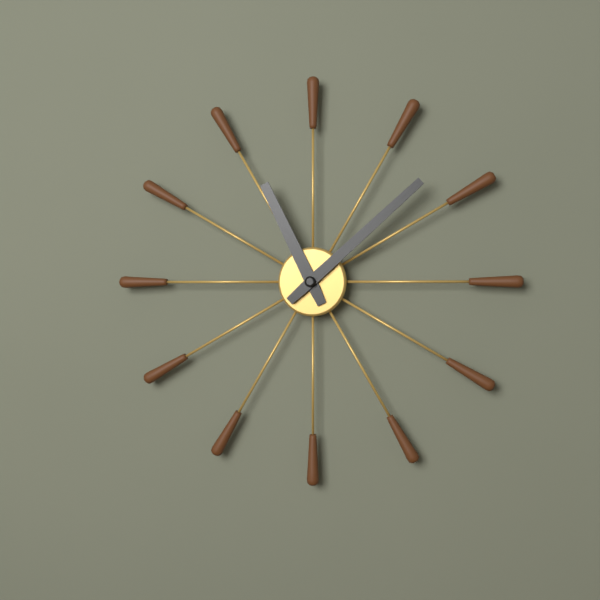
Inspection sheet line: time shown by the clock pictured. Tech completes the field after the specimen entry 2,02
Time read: 11,08
